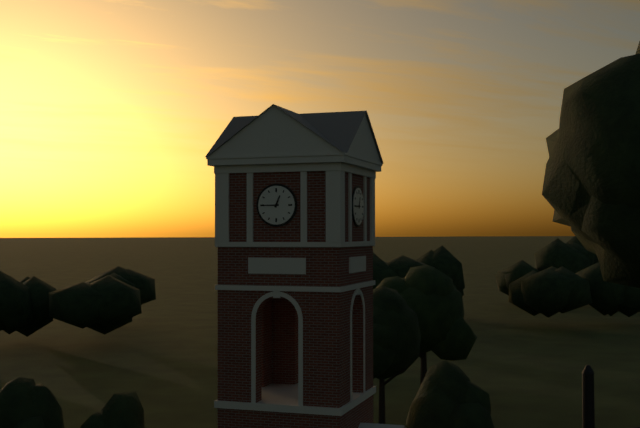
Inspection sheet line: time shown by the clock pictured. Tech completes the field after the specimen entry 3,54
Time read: 12,45
